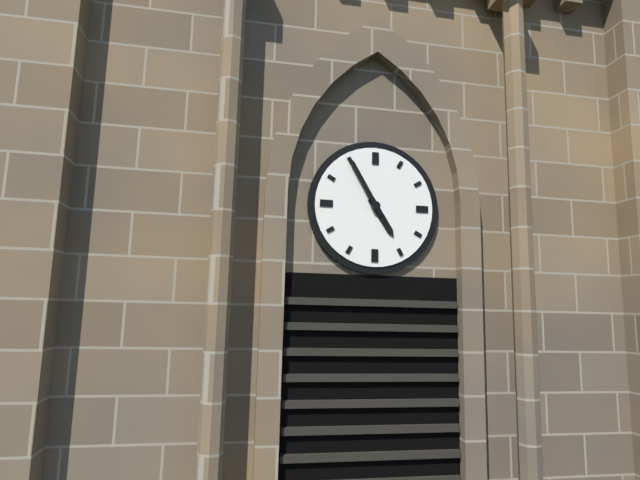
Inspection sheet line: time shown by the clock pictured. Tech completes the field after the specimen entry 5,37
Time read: 4,55
